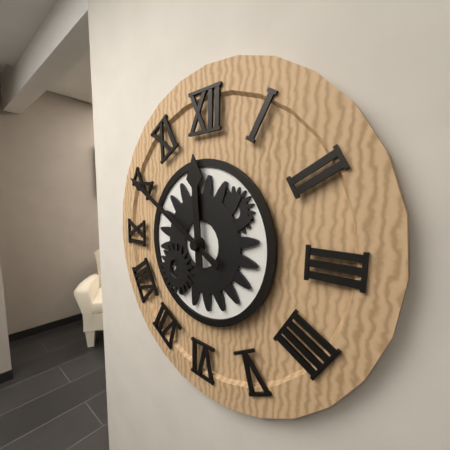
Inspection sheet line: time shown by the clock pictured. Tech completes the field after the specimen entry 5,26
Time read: 11,50
